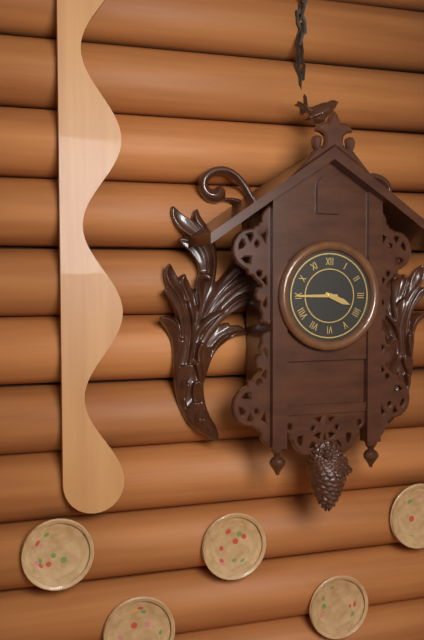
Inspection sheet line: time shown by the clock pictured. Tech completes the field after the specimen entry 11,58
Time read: 3,45
